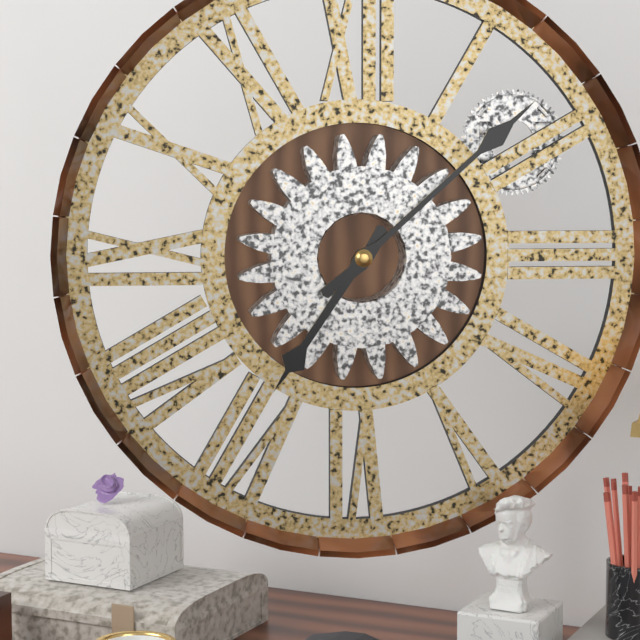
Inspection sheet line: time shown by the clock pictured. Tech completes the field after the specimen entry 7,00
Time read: 7,08
